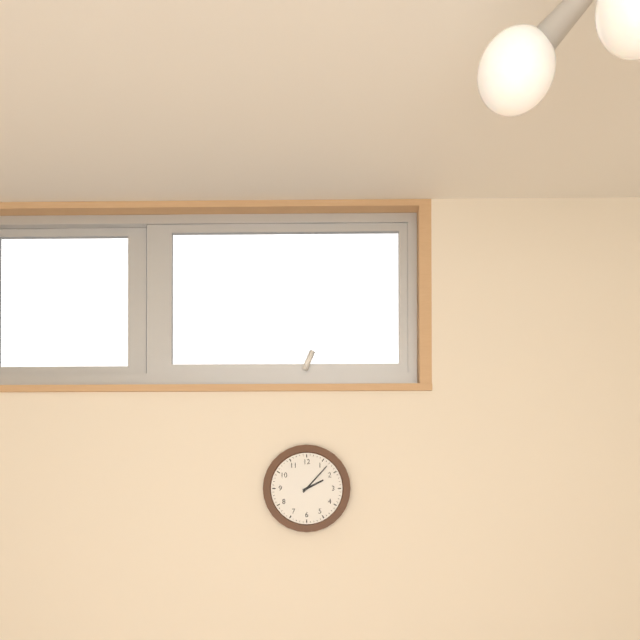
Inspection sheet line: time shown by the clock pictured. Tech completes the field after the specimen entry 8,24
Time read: 2,07
